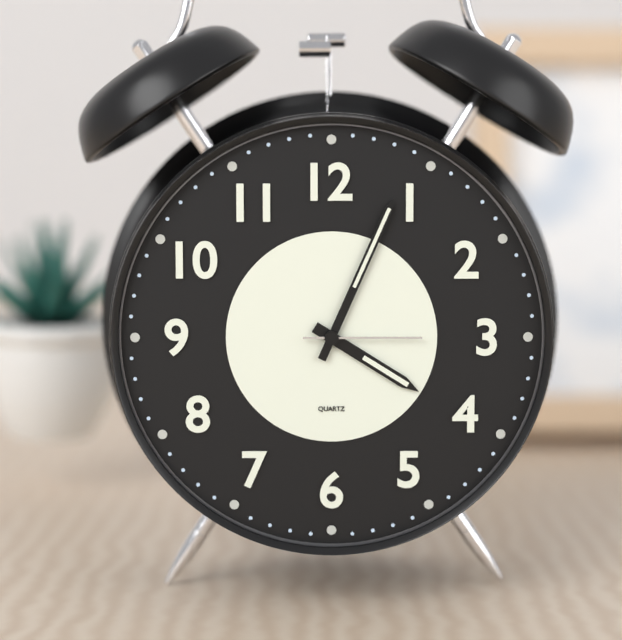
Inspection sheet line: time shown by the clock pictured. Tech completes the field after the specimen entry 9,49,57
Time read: 4,04,15
